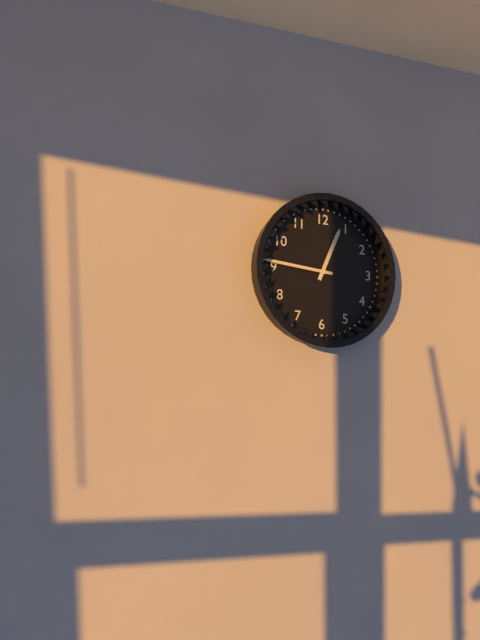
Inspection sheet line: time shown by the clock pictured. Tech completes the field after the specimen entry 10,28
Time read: 12,46
